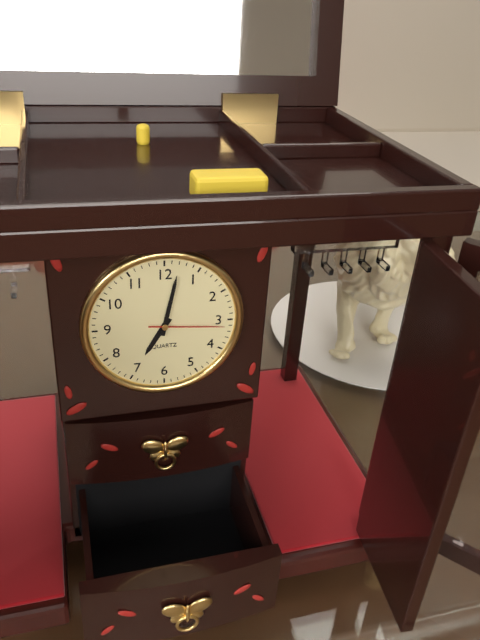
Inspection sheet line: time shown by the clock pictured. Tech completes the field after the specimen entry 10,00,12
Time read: 7,02,16
